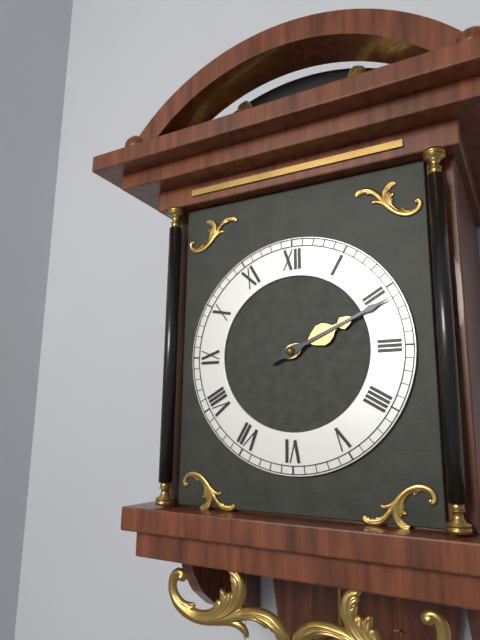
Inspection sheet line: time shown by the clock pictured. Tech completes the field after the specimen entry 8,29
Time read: 2,11
